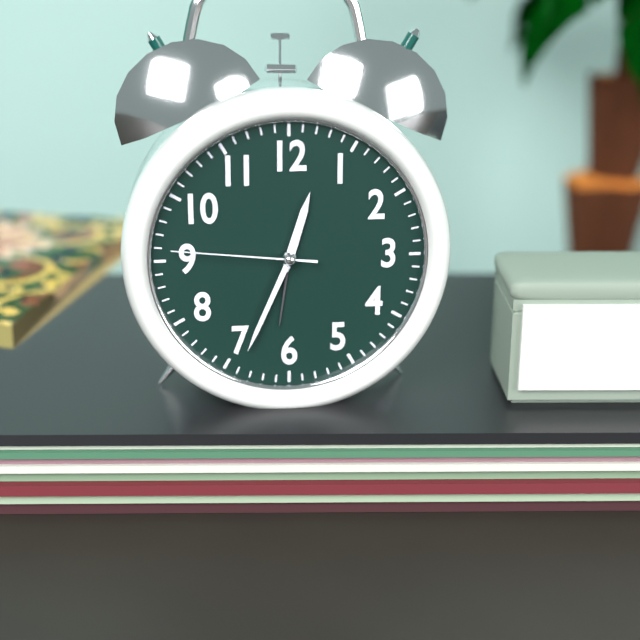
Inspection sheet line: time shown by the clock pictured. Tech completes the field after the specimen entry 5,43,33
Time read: 12,34,46
